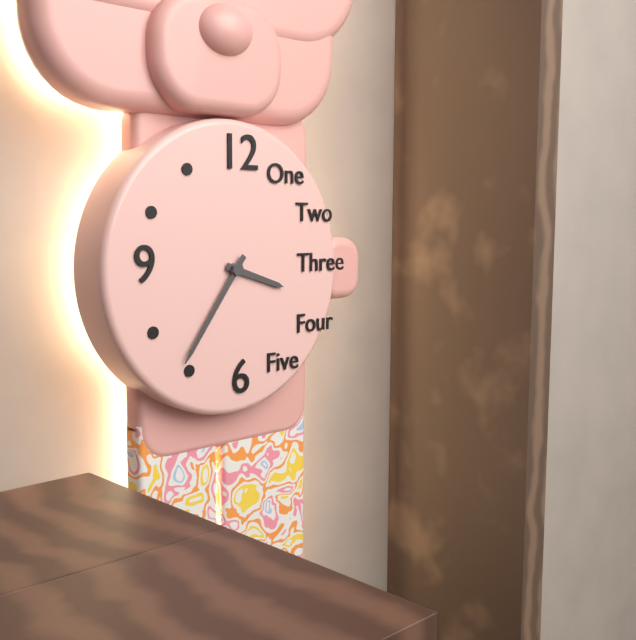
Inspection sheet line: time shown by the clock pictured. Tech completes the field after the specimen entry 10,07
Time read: 3,36
